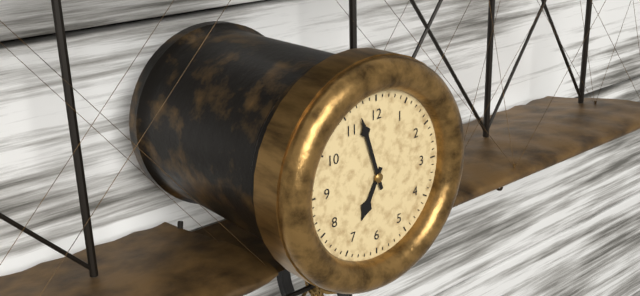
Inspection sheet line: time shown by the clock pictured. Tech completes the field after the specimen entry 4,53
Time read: 6,57
